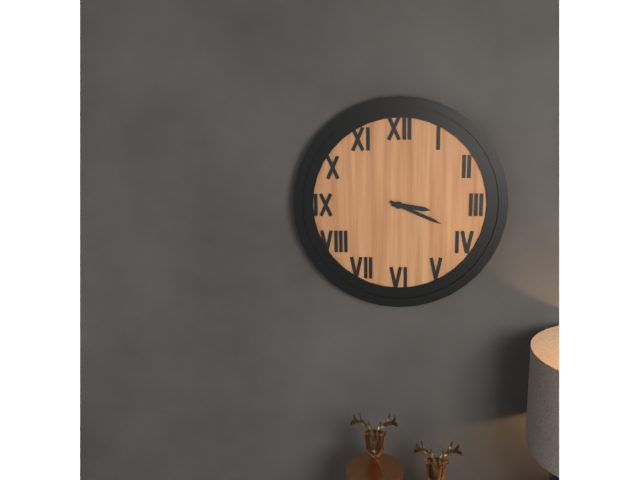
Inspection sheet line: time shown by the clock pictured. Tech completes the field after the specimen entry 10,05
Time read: 3,19
